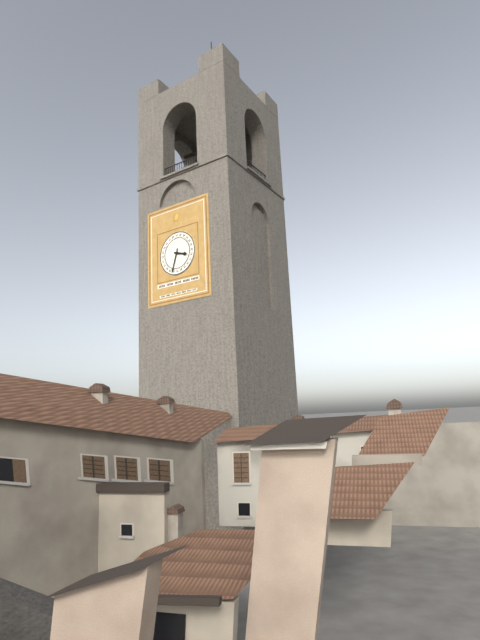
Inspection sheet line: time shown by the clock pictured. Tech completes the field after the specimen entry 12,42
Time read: 3,33
